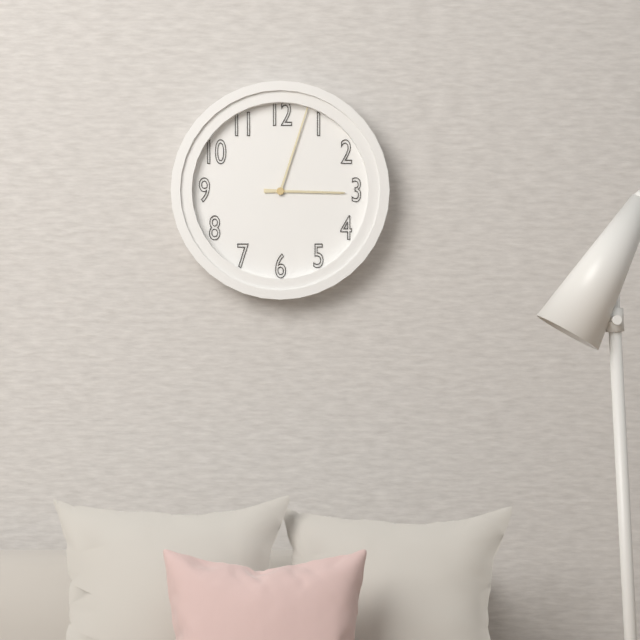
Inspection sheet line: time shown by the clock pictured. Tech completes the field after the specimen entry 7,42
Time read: 3,03
